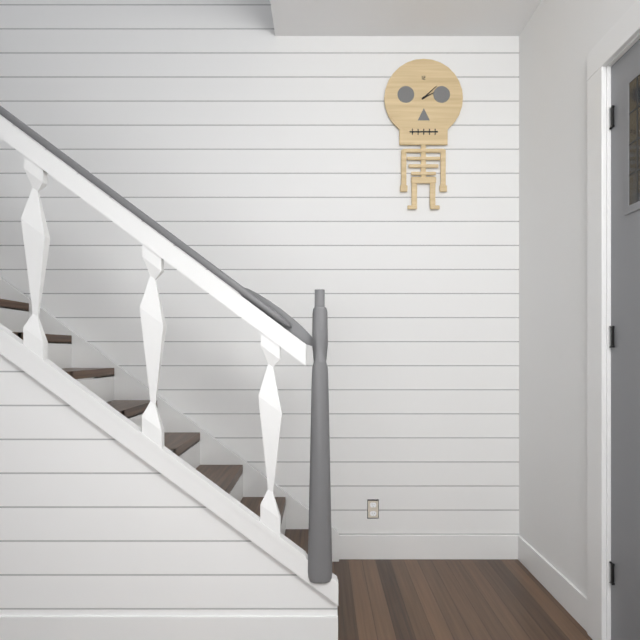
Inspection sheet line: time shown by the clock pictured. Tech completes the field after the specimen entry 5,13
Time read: 2,08
